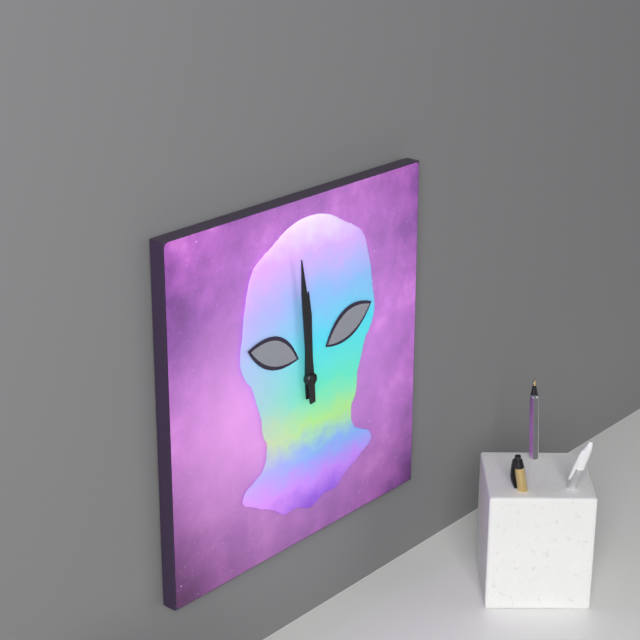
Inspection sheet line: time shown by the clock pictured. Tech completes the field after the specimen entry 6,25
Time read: 11,59
